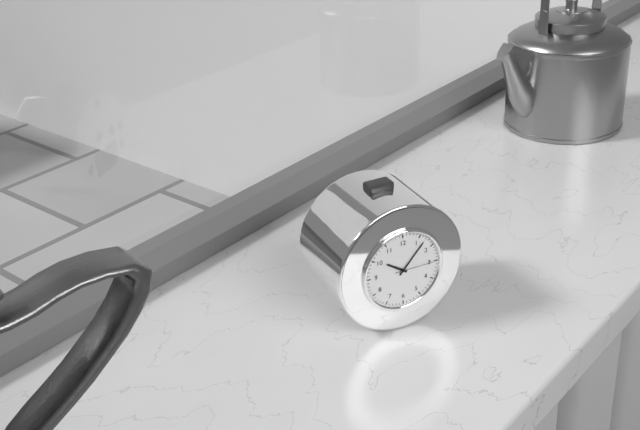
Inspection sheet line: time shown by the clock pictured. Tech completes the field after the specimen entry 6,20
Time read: 10,07
